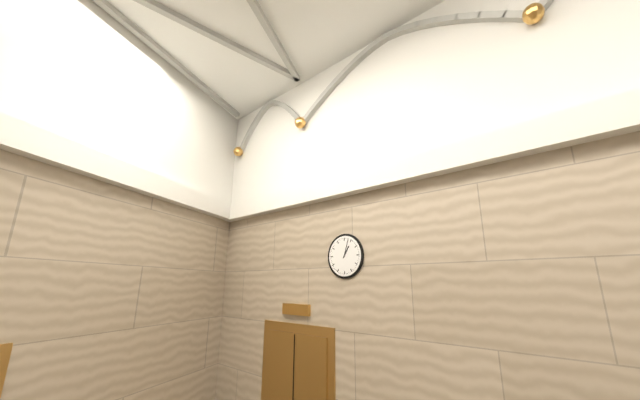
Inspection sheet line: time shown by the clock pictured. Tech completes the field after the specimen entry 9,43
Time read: 1,03
